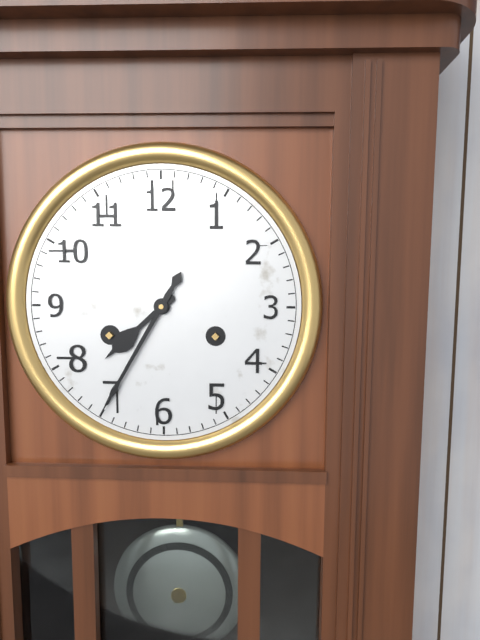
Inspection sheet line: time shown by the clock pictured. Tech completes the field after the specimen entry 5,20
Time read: 7,35
